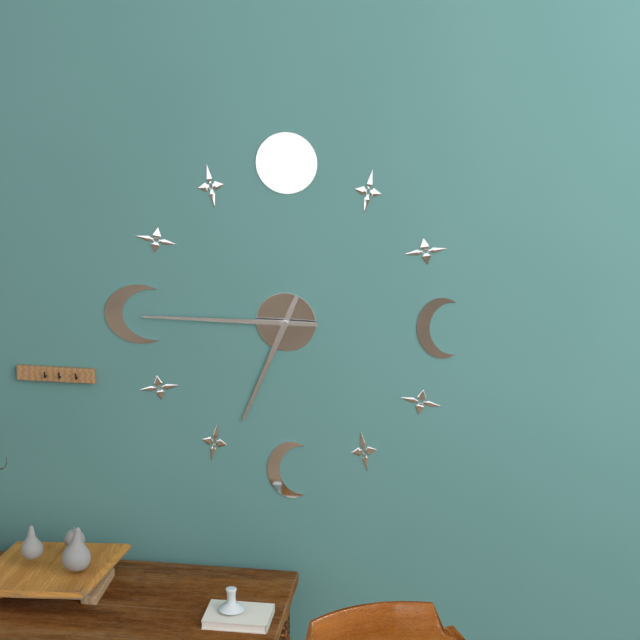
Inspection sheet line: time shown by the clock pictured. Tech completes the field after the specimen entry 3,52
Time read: 6,45
